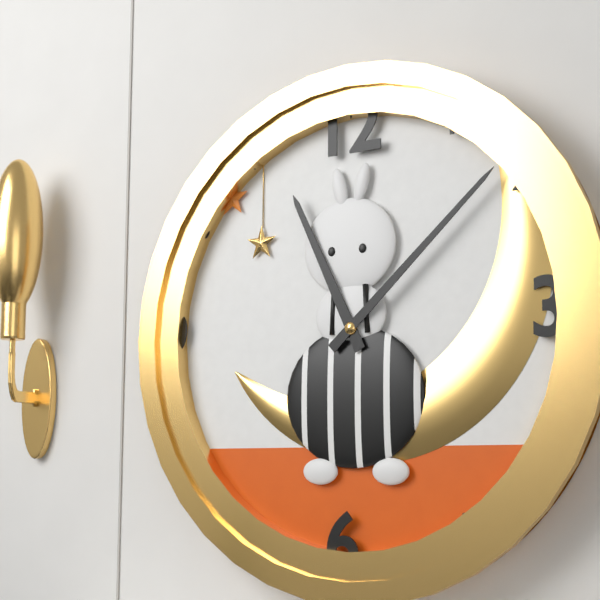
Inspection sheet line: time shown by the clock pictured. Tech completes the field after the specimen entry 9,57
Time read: 11,08
